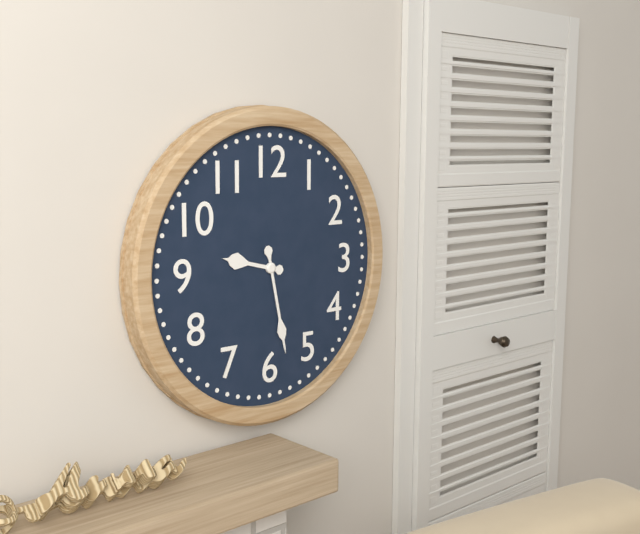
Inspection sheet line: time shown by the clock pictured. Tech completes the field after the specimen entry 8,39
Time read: 9,28
